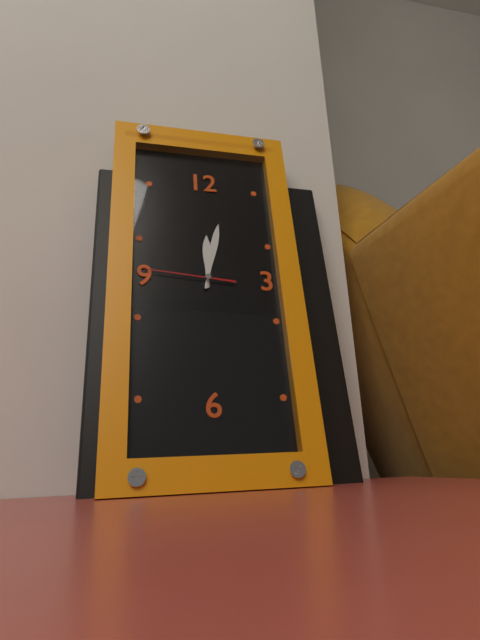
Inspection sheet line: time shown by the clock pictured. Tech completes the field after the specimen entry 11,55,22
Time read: 12,02,46
